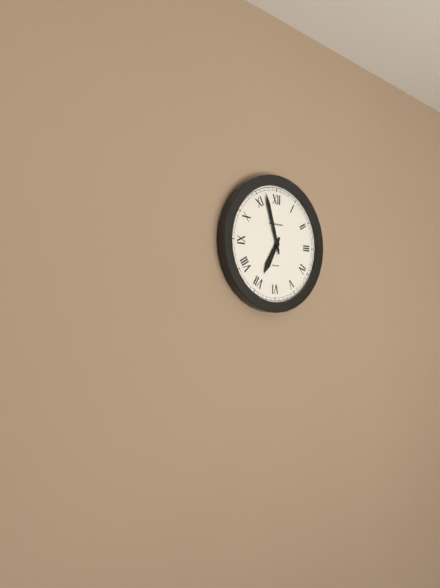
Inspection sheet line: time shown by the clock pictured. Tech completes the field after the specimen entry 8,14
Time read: 6,57
